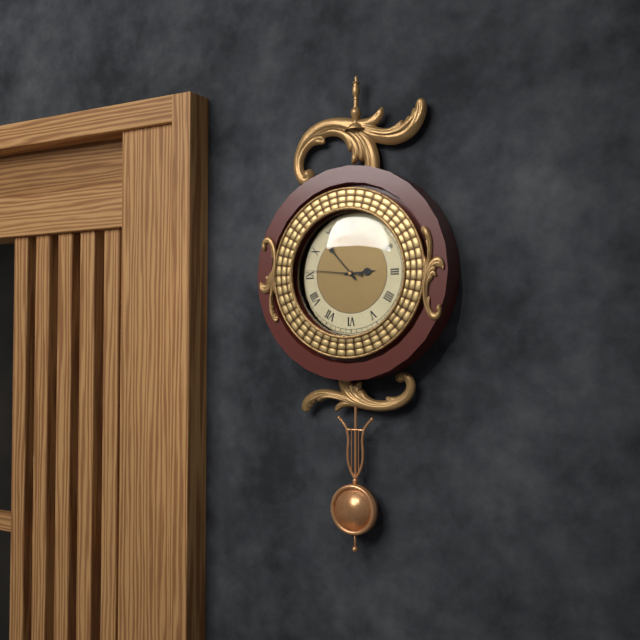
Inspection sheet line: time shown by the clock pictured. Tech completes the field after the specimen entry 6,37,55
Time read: 2,53,46
